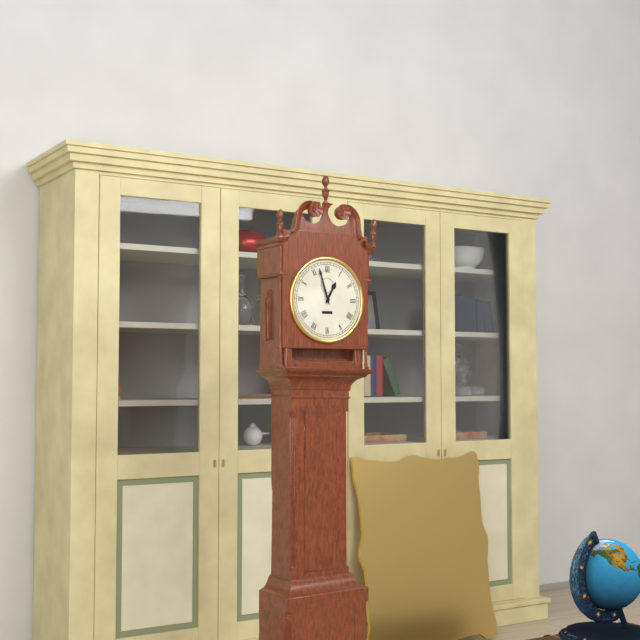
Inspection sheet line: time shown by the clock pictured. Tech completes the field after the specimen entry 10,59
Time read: 12,57
